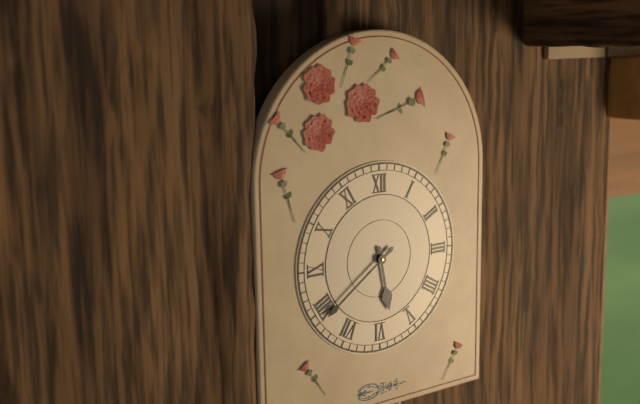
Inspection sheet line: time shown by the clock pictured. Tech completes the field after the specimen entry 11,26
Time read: 5,39
